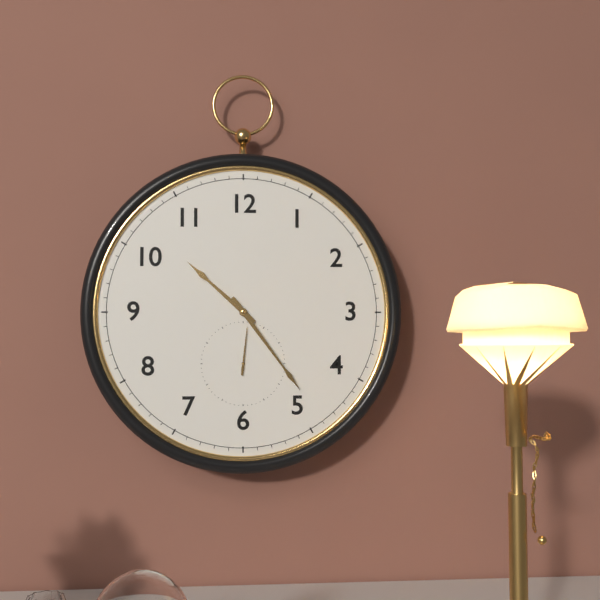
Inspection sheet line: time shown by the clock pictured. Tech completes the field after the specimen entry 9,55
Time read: 10,24
